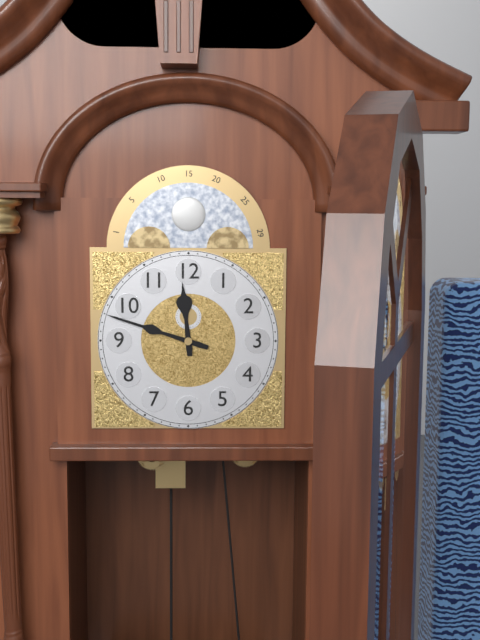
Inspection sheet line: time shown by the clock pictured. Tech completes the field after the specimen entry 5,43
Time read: 11,48
